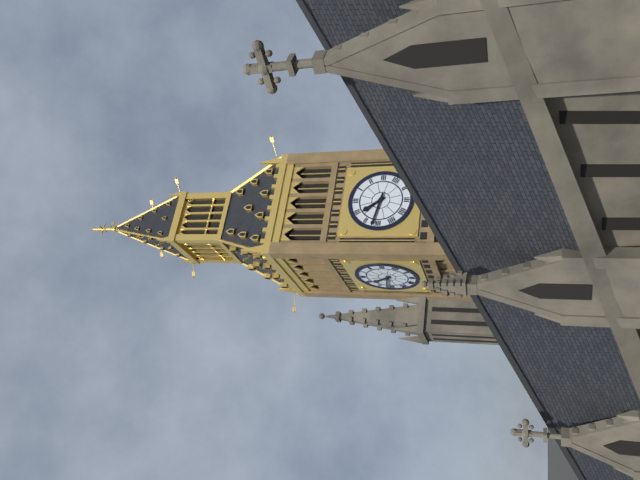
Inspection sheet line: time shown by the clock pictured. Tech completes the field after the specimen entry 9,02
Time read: 10,47
